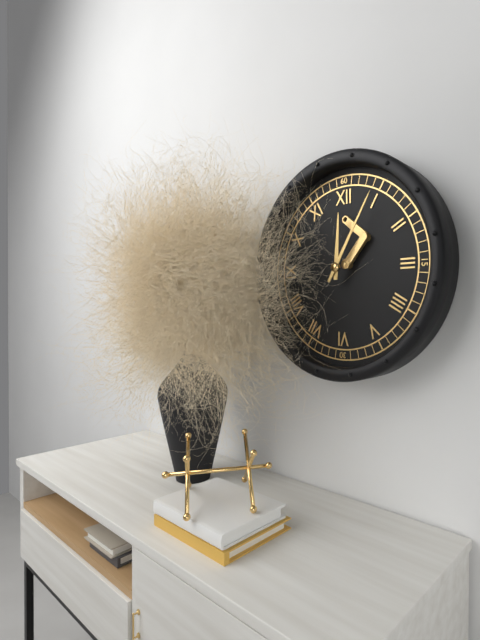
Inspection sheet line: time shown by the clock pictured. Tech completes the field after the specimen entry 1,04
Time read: 12,05
